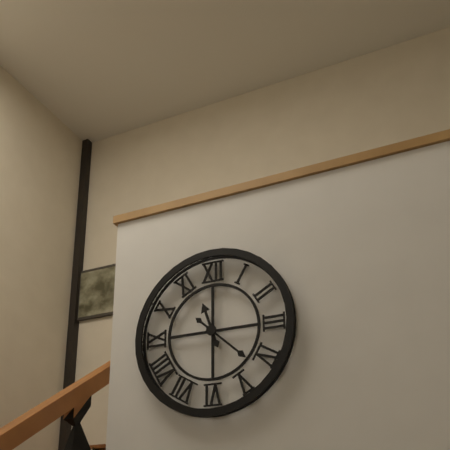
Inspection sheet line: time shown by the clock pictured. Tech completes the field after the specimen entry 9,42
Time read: 11,22
